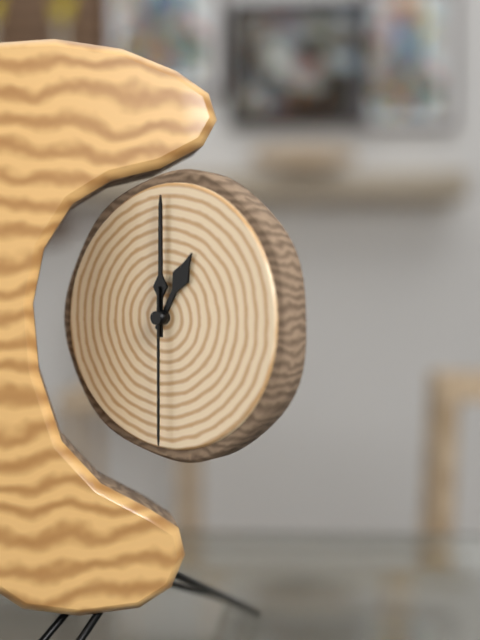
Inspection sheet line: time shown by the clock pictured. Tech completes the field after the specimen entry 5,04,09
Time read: 1,00,30
